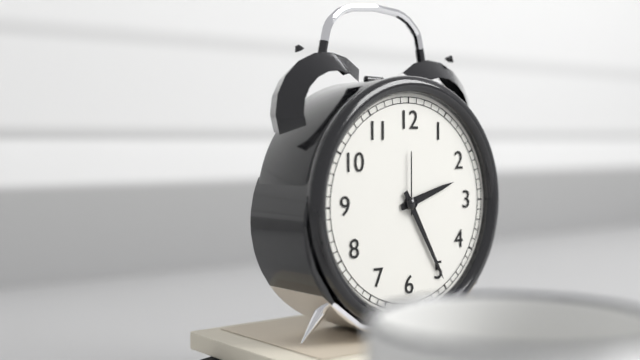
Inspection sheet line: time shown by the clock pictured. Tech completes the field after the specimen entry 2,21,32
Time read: 2,25,00
